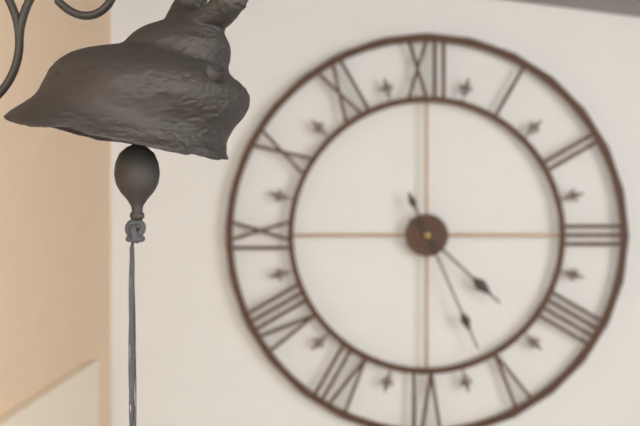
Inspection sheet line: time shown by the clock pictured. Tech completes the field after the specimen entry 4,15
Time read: 4,26
